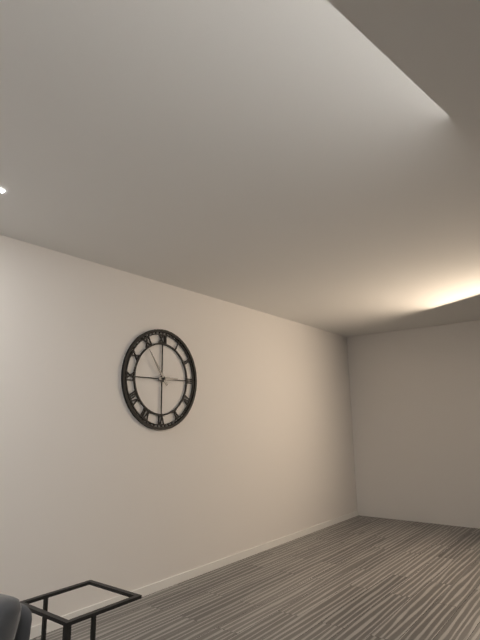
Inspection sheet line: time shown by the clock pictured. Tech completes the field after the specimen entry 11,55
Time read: 2,54
